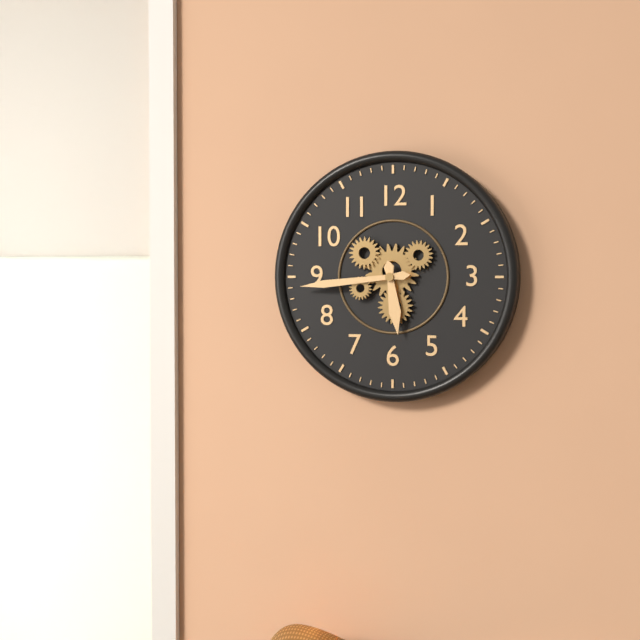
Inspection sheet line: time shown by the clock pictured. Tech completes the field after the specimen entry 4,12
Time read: 5,44
